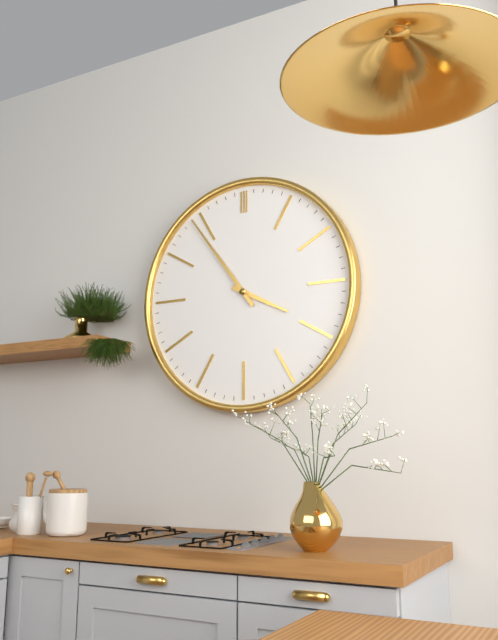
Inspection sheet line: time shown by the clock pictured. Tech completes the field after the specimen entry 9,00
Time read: 3,54
